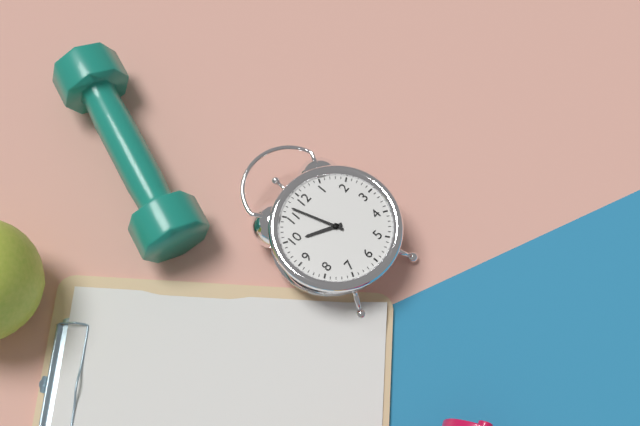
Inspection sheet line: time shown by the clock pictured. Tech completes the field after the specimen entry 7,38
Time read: 9,57
